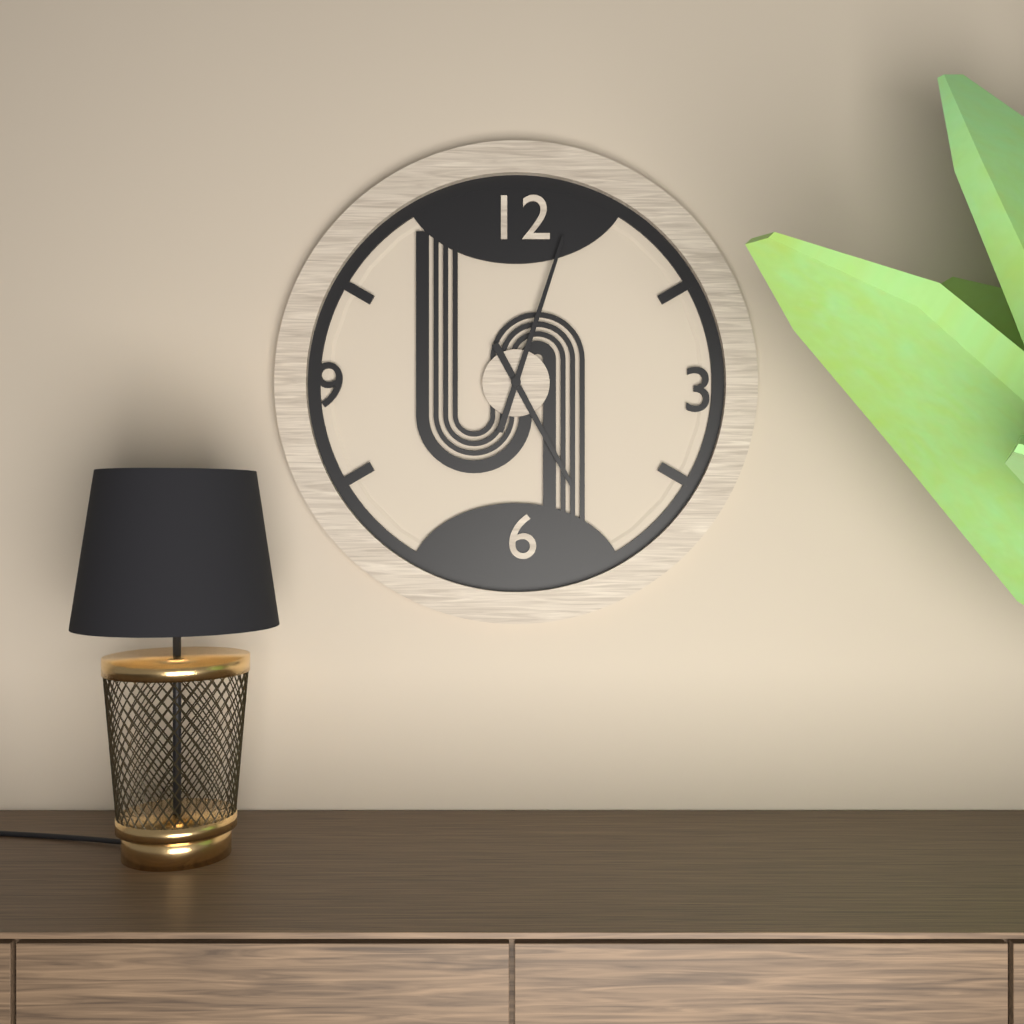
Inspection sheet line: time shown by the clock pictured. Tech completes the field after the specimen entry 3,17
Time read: 5,03
